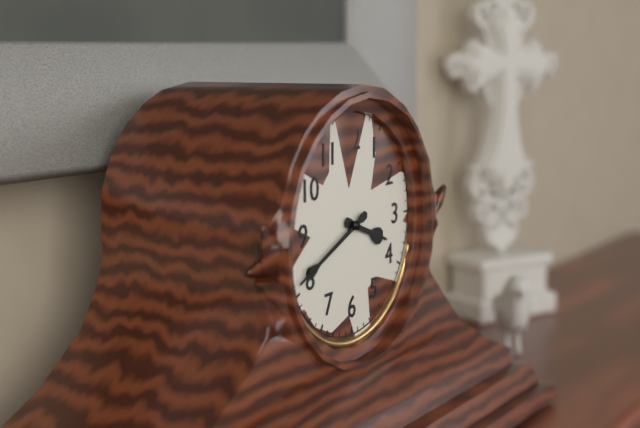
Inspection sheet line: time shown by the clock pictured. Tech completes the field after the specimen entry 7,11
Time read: 3,41
